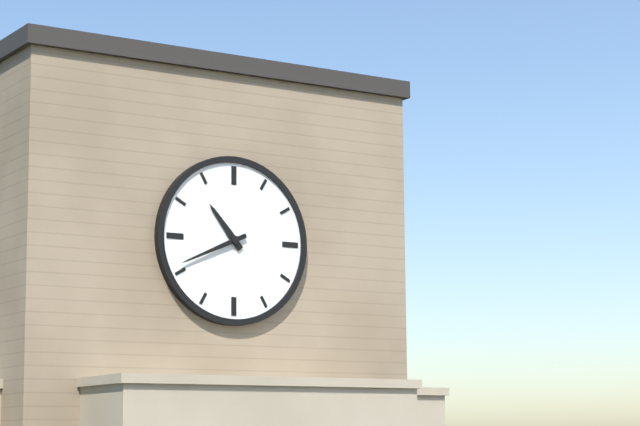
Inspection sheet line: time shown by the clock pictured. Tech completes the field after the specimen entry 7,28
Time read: 10,41
